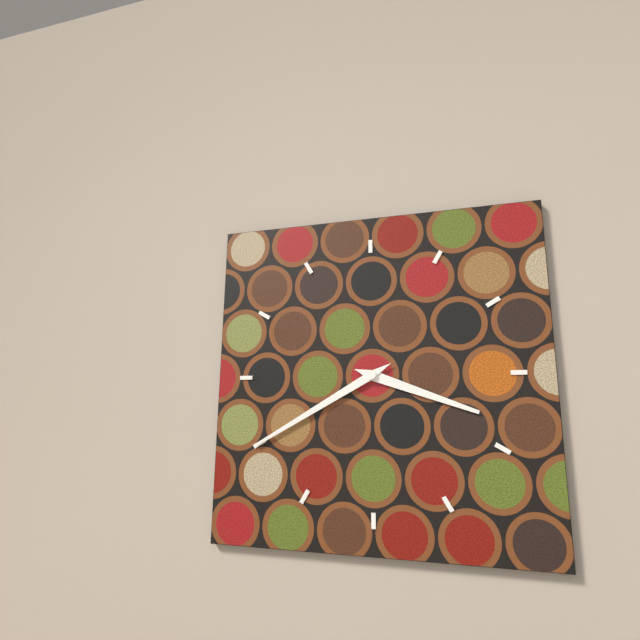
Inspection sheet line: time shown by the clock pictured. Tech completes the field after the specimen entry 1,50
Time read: 3,40
